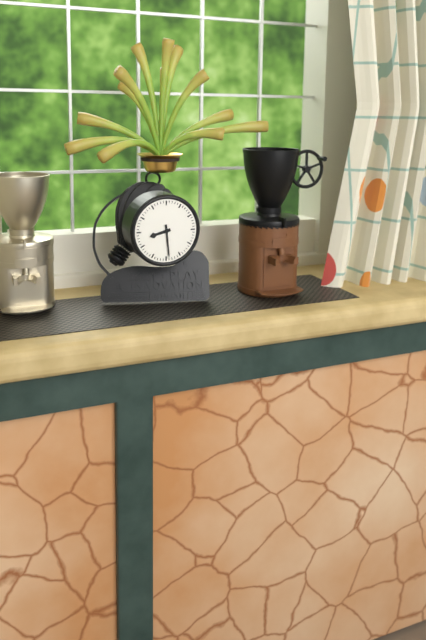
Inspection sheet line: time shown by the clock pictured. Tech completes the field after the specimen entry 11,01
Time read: 8,29
